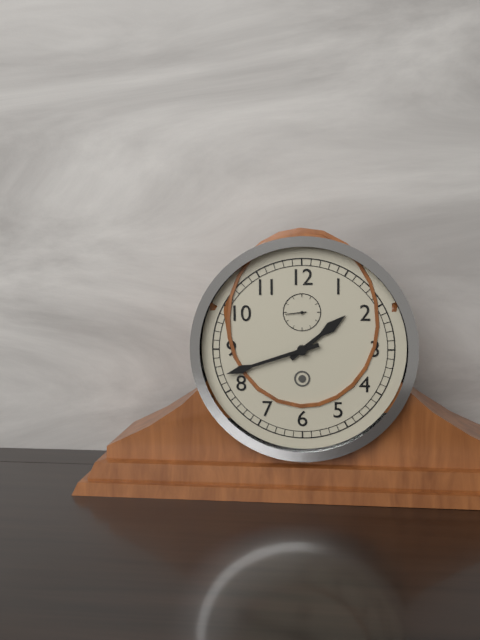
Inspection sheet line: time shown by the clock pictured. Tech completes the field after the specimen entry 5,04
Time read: 1,42
